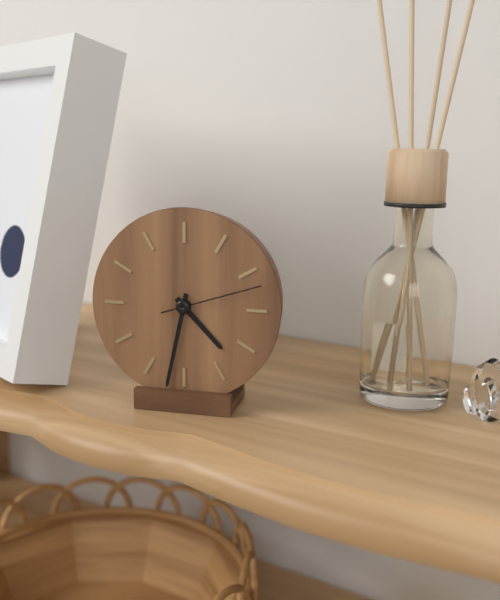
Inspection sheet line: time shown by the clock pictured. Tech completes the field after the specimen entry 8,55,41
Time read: 4,32,12
